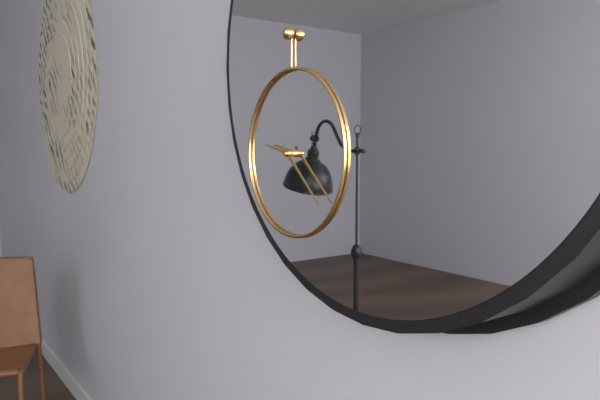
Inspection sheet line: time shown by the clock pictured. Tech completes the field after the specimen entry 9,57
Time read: 9,22
